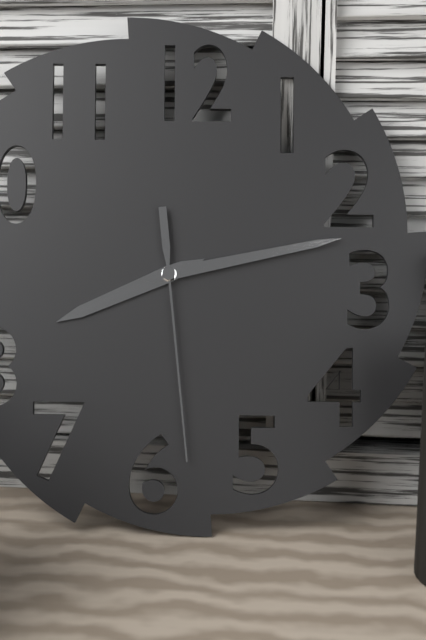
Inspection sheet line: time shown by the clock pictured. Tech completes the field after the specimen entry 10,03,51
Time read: 8,13,29
